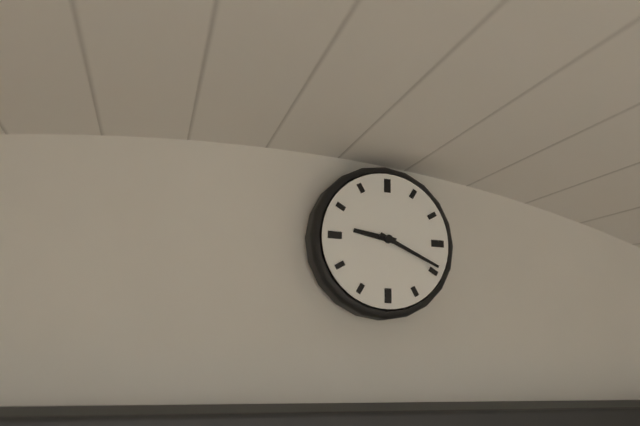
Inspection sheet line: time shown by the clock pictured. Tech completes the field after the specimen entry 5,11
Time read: 9,19
